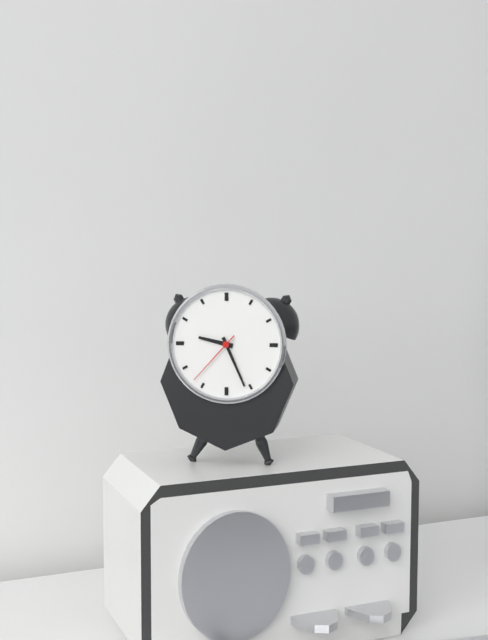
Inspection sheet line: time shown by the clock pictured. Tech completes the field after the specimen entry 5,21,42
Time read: 9,26,37
